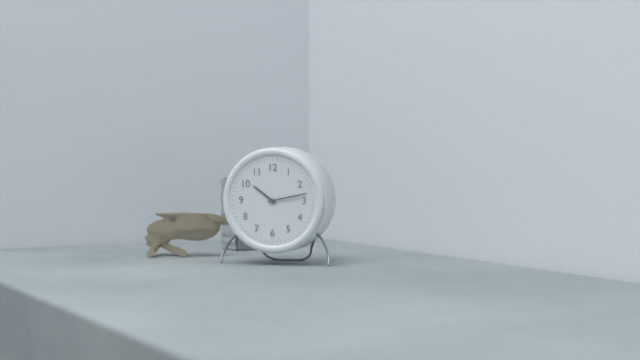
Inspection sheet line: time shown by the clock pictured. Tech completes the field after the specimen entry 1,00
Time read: 10,13
